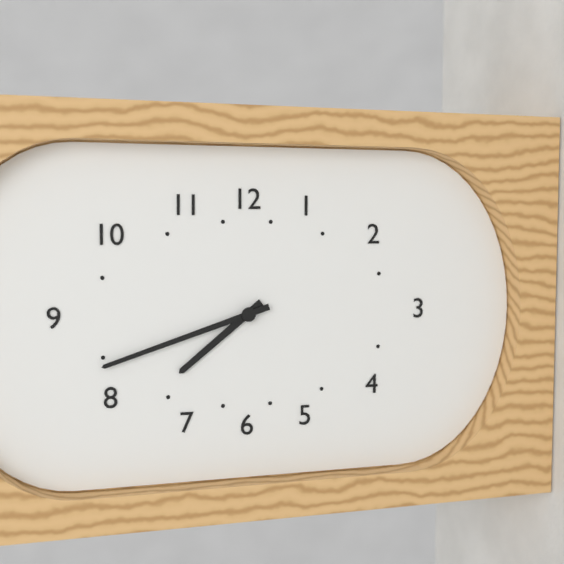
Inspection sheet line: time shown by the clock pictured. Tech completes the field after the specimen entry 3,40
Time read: 7,42
